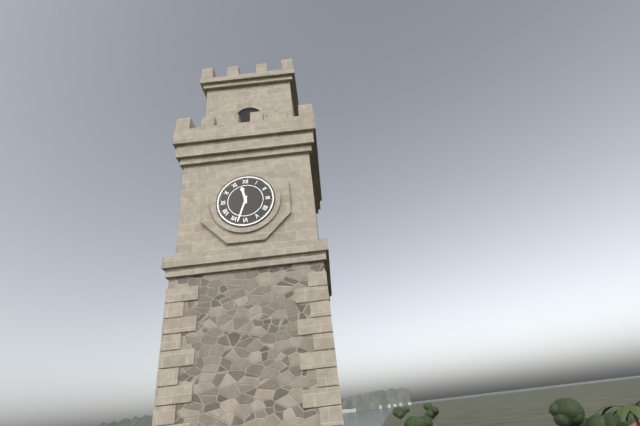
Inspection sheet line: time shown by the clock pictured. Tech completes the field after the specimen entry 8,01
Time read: 11,33
